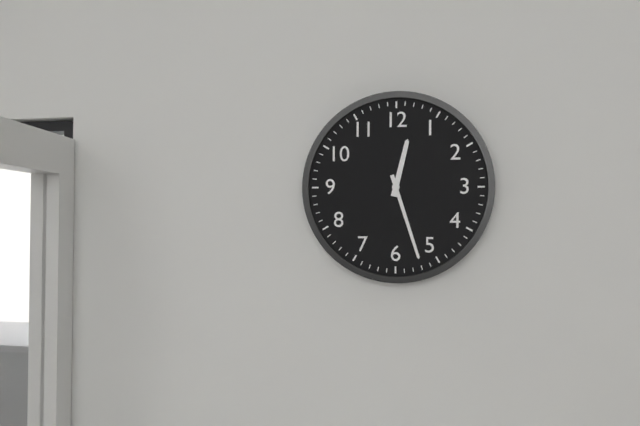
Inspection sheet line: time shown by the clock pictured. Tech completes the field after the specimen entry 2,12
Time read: 12,27
